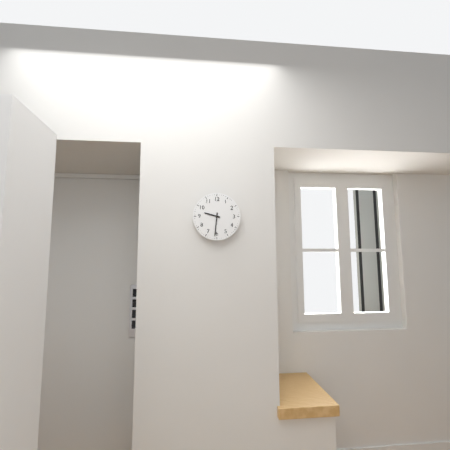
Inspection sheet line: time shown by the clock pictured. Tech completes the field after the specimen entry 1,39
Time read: 9,31
